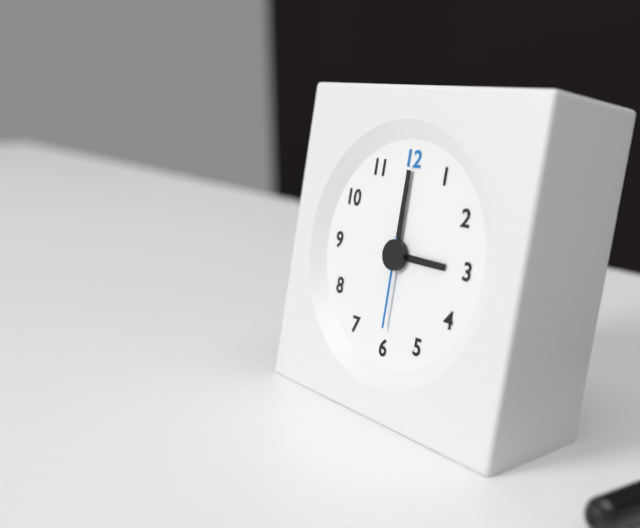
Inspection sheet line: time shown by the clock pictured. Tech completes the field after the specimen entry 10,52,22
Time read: 3,00,30
